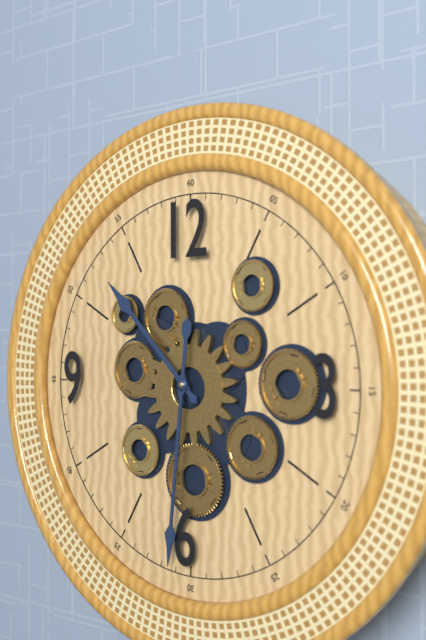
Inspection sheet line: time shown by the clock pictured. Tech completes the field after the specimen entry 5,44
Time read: 10,31
